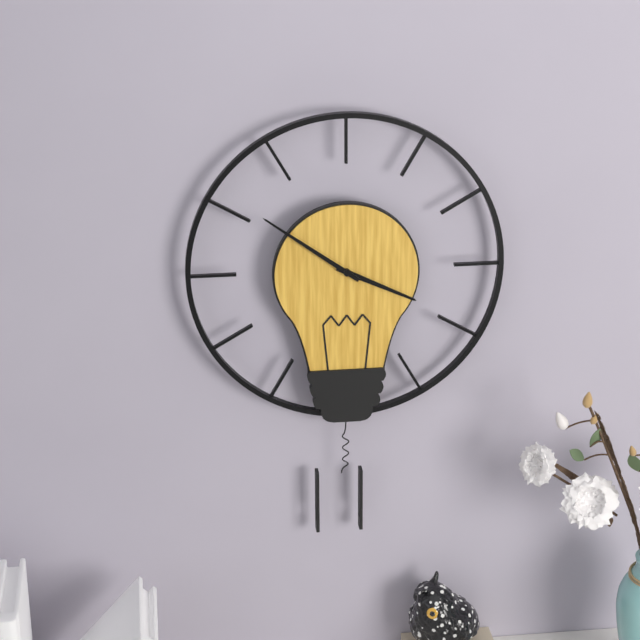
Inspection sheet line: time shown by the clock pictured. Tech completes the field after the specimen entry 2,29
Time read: 3,51
